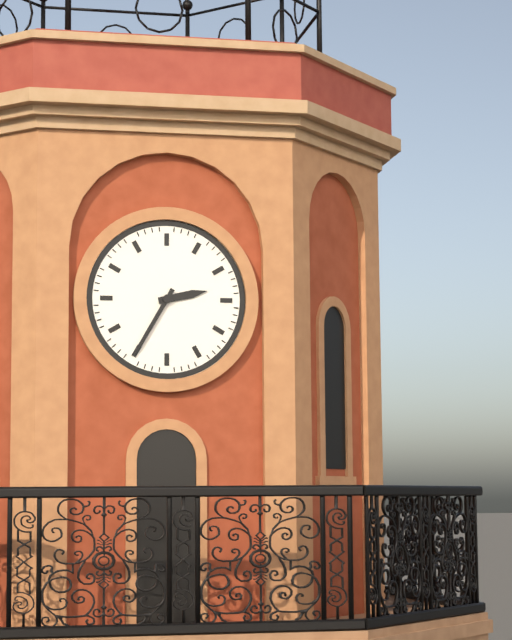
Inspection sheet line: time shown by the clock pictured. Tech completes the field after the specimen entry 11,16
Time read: 2,35
